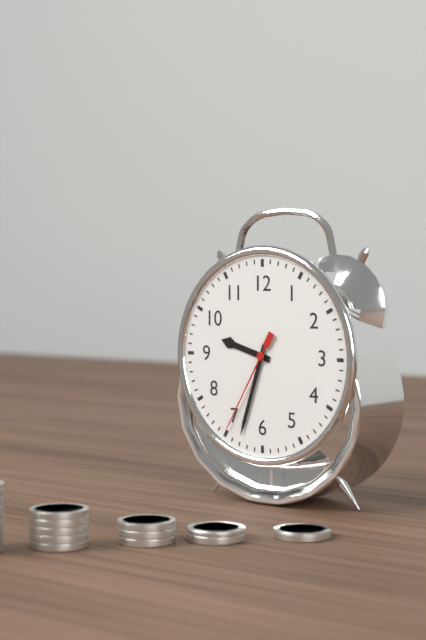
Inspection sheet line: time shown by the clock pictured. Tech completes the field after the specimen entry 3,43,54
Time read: 9,33,35
